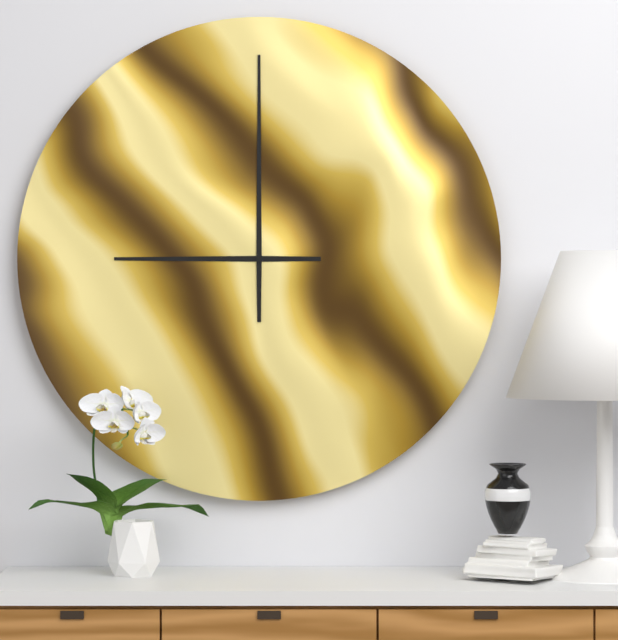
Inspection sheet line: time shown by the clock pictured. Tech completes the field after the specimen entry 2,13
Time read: 9,00
